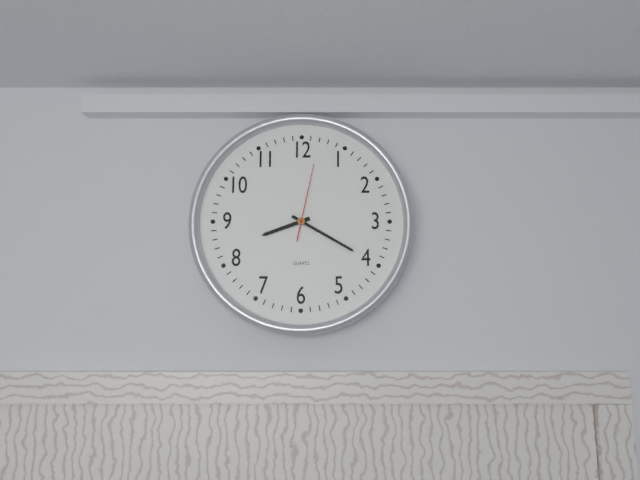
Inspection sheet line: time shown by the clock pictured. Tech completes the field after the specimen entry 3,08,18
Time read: 8,20,02
